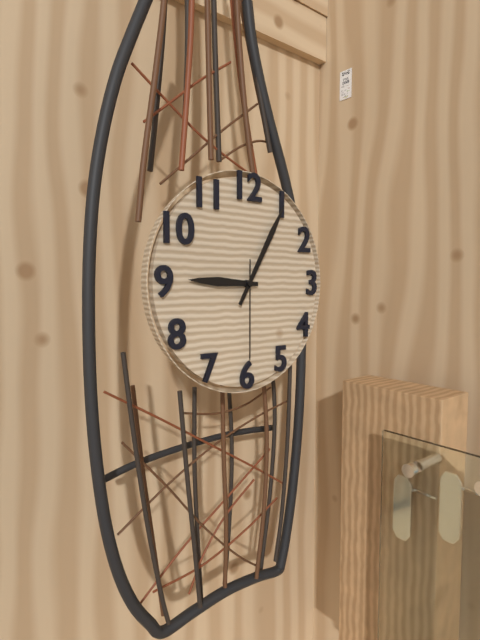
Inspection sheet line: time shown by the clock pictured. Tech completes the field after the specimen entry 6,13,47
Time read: 9,05,30
